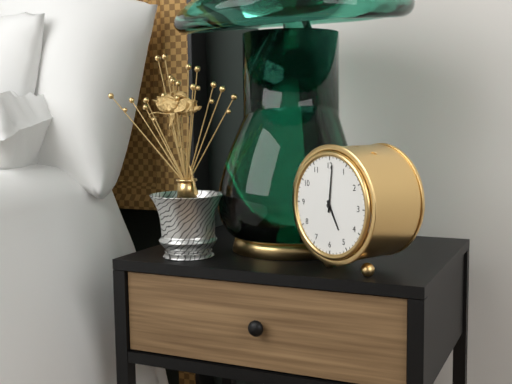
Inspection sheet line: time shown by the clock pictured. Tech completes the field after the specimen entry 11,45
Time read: 5,01
